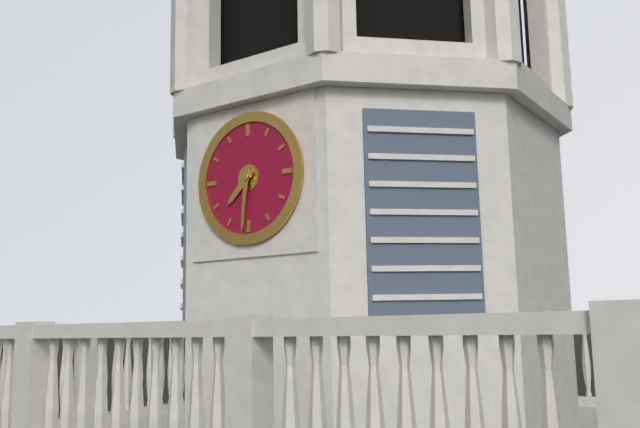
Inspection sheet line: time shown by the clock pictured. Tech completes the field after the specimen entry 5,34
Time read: 7,31
